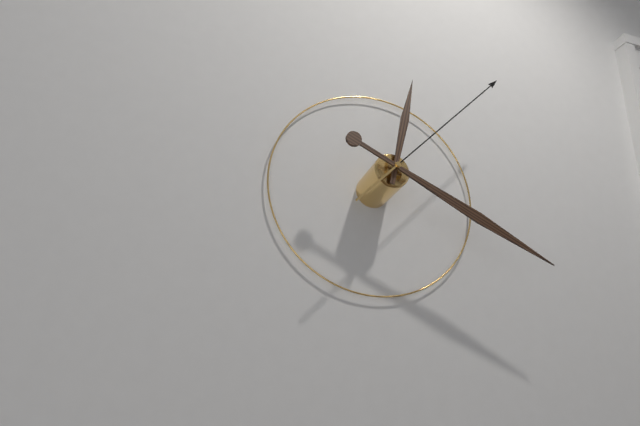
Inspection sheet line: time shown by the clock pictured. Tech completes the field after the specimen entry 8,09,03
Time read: 12,19,07
